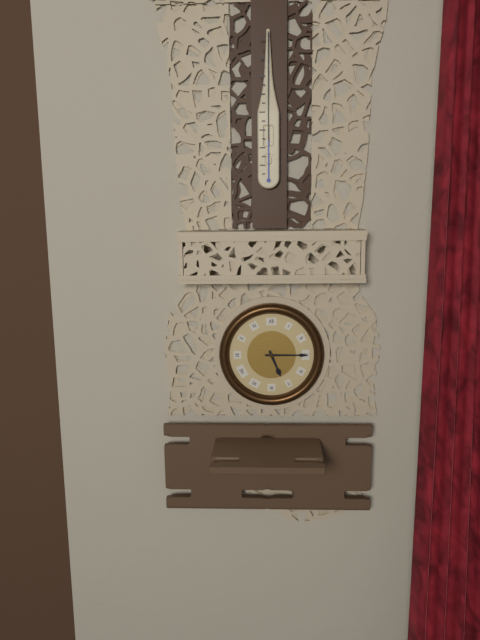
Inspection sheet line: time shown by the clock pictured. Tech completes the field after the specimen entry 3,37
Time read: 5,15
